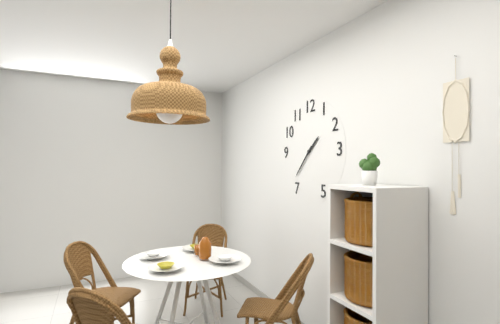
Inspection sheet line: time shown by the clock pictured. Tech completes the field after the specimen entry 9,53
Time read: 1,37
